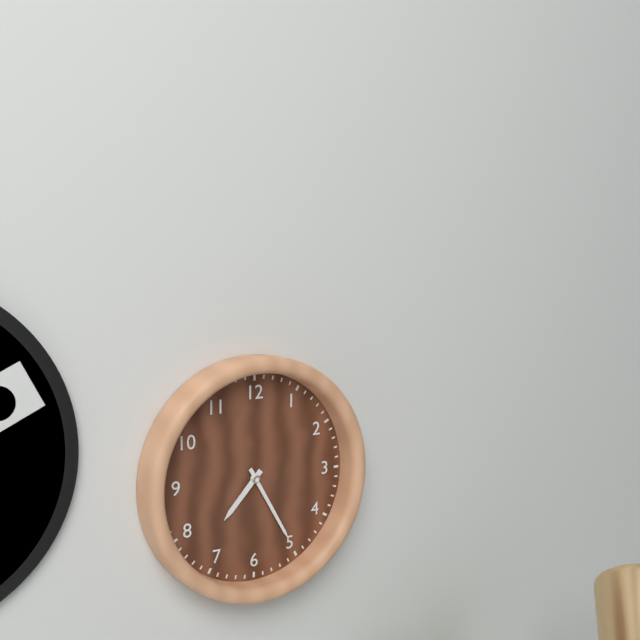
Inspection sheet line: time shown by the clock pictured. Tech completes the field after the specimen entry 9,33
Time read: 7,25
